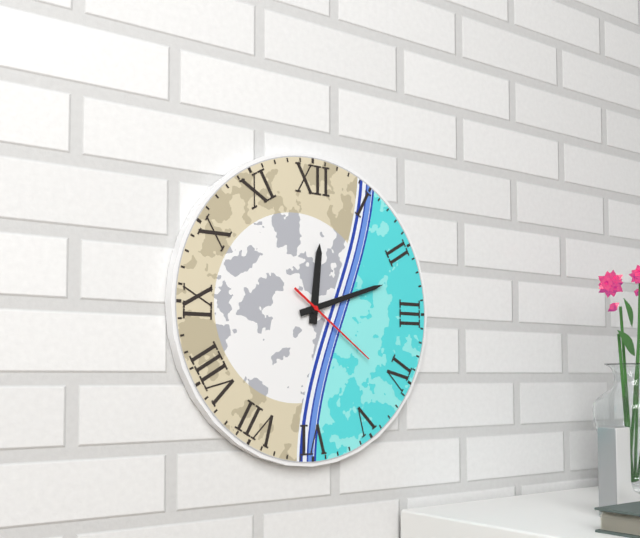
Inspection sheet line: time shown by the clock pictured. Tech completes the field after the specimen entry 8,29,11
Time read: 12,12,21
